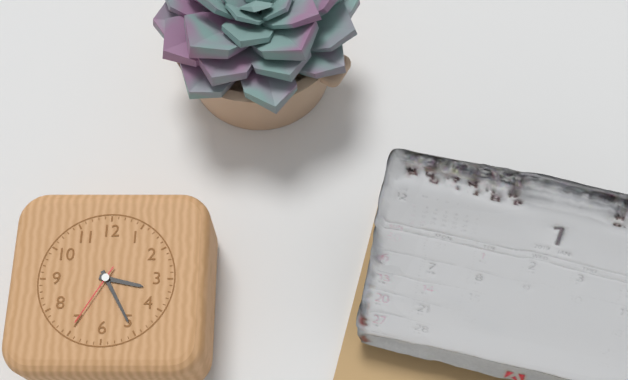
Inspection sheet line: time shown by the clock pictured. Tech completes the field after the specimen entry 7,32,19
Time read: 3,25,35
